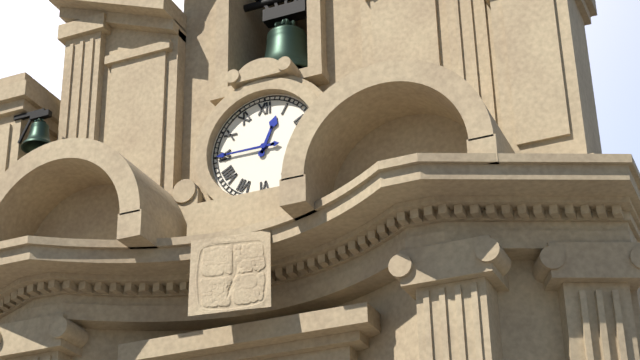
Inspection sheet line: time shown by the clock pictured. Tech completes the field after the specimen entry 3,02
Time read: 12,45
